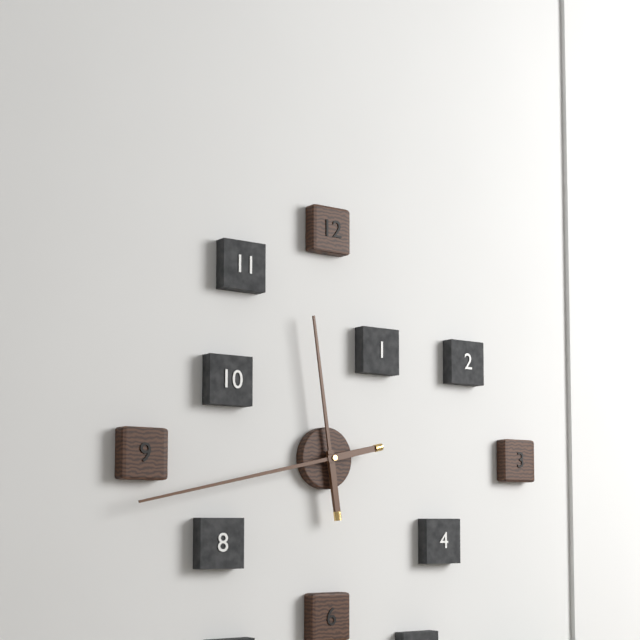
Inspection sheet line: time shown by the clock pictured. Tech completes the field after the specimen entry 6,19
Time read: 11,43
